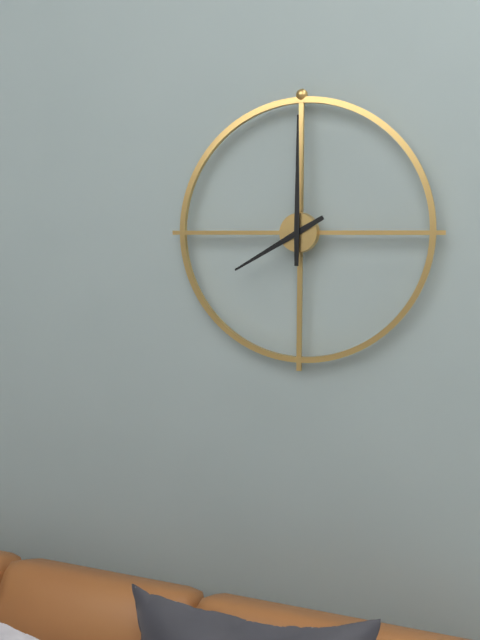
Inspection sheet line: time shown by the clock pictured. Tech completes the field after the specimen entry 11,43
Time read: 8,00
